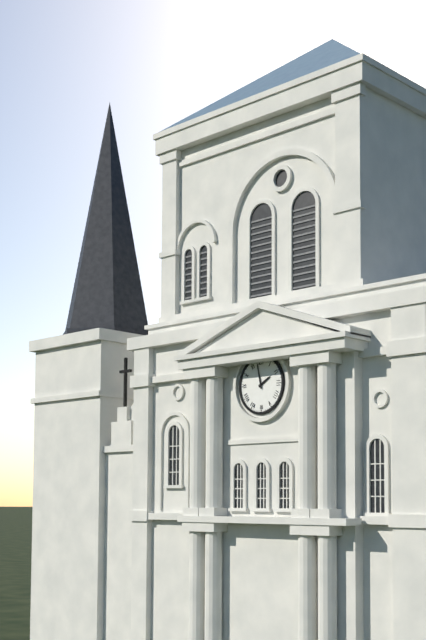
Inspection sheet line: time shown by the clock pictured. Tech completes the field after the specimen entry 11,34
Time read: 1,58
